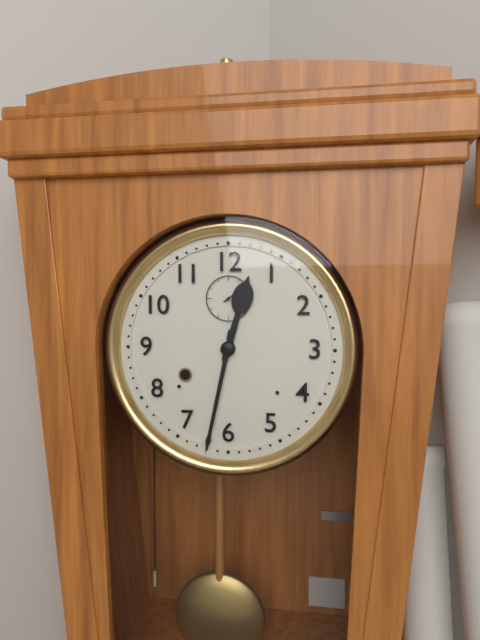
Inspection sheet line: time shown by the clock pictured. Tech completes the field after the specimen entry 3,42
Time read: 12,32
